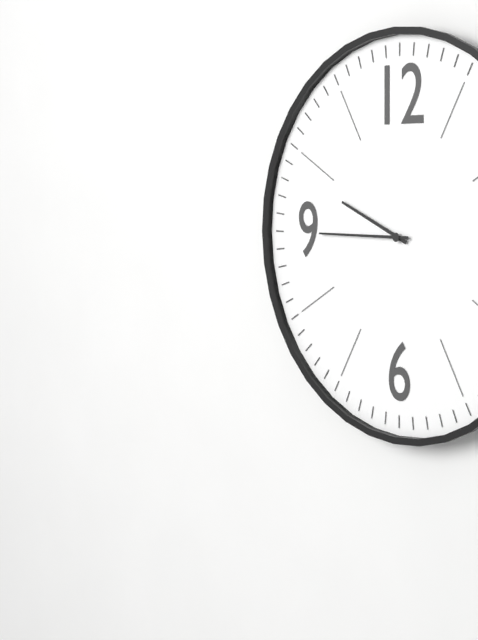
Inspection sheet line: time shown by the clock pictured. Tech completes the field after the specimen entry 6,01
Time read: 9,45
